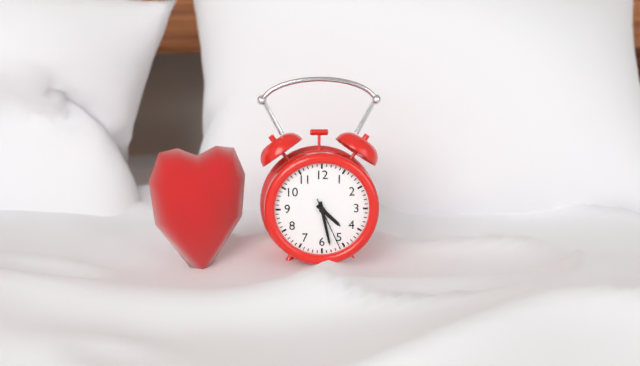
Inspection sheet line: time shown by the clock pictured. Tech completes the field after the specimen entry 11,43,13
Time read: 4,28,26
